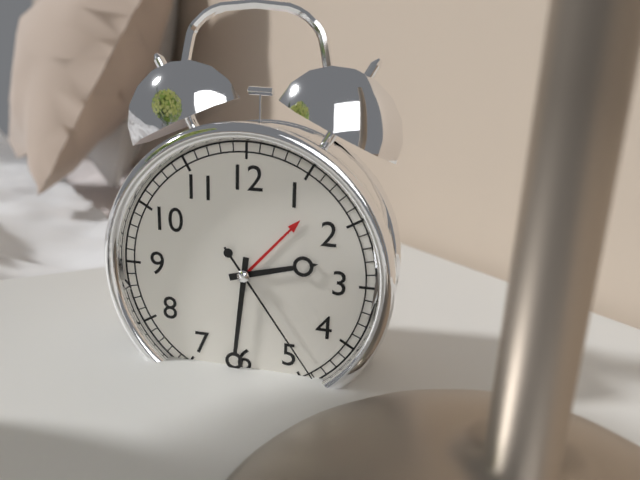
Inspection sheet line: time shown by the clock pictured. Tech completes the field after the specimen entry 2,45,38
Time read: 2,31,24
